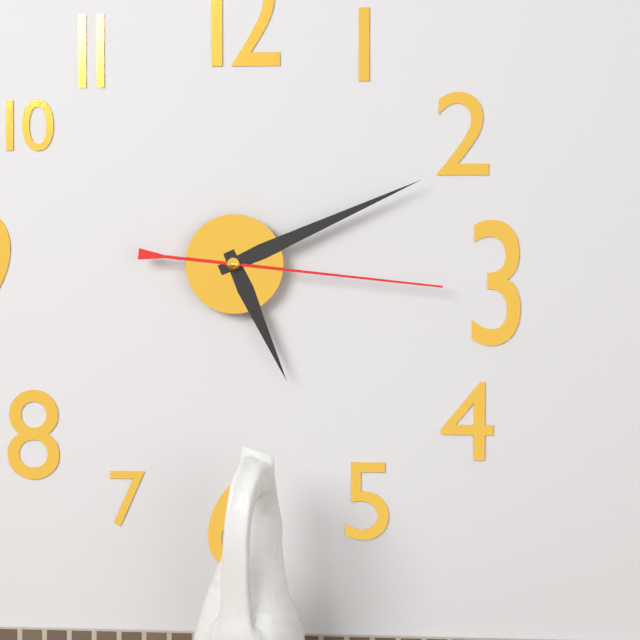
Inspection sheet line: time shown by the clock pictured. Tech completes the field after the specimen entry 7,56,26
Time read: 5,11,16
